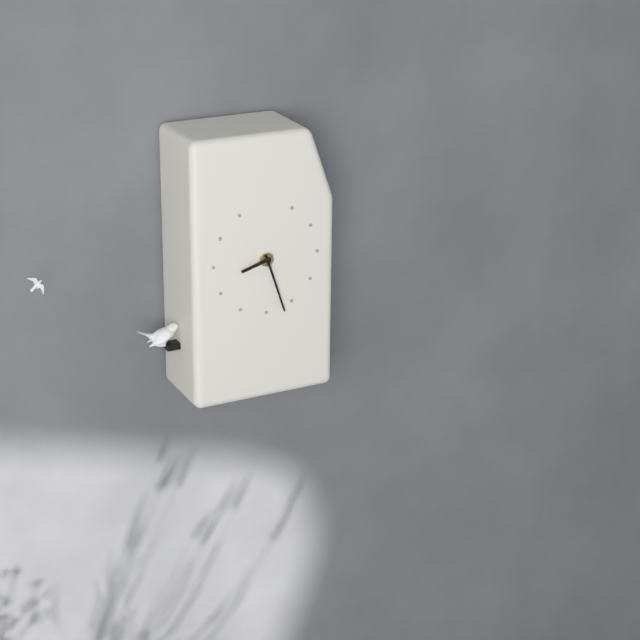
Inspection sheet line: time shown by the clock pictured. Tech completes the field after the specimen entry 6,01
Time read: 8,27
